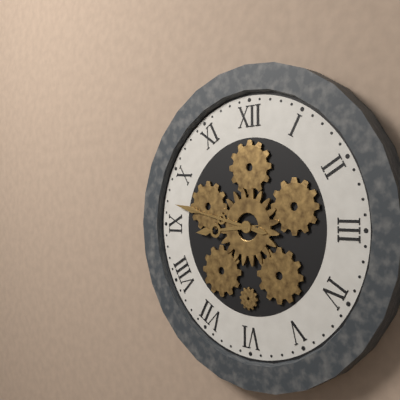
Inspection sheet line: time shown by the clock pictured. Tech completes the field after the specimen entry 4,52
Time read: 8,47
